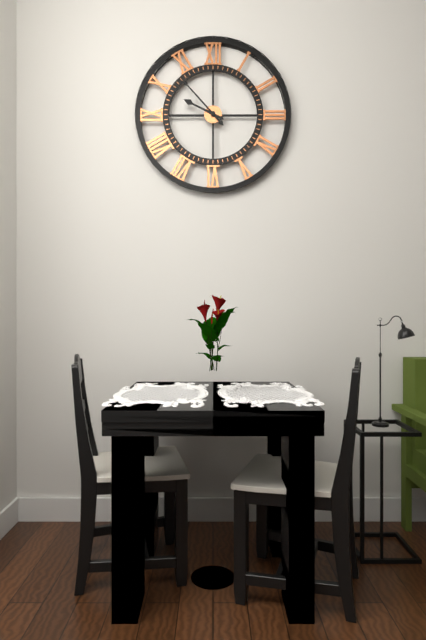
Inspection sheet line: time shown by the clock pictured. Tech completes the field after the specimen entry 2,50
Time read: 9,53
